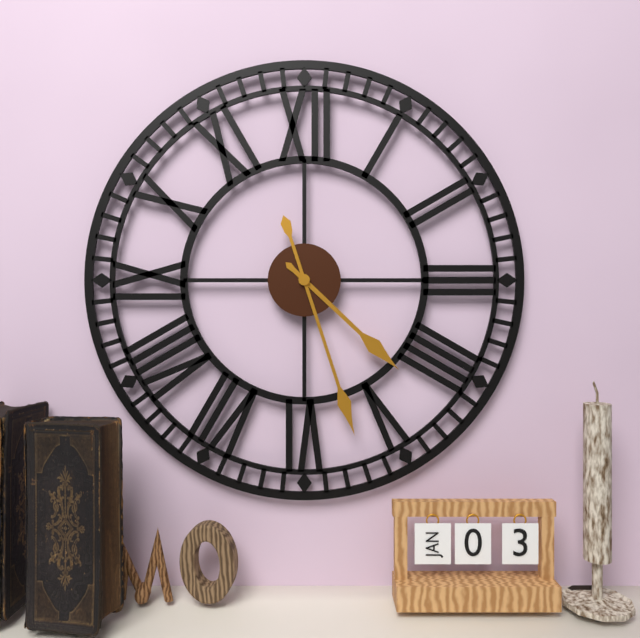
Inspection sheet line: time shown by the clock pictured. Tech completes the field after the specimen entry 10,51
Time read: 4,27
